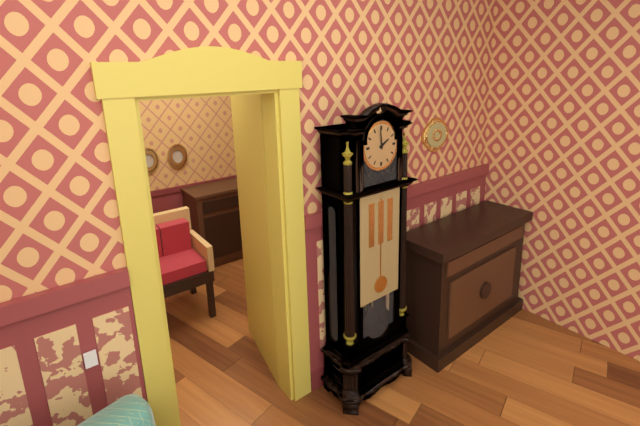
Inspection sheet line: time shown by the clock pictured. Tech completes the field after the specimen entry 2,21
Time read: 1,59
